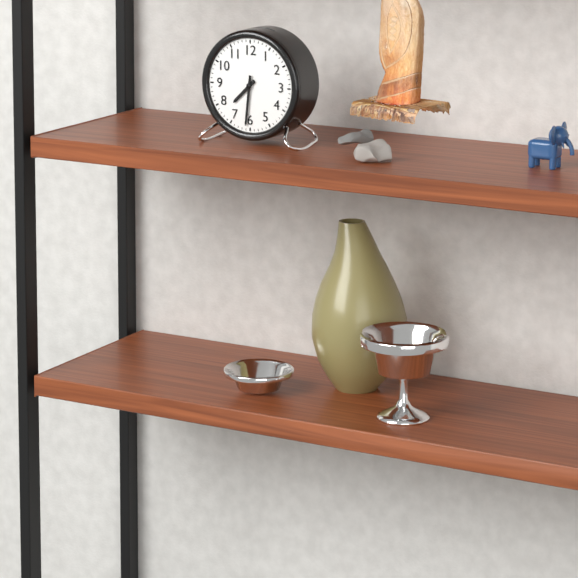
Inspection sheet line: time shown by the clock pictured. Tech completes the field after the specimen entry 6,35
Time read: 7,31
